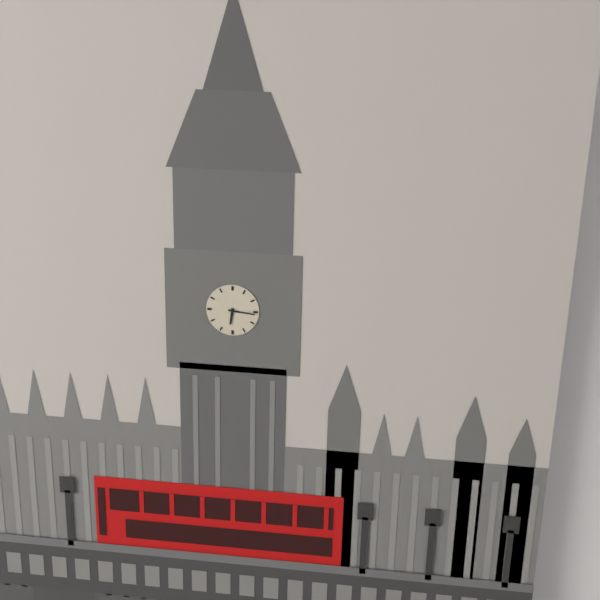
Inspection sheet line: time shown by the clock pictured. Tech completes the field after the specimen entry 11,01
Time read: 6,16
